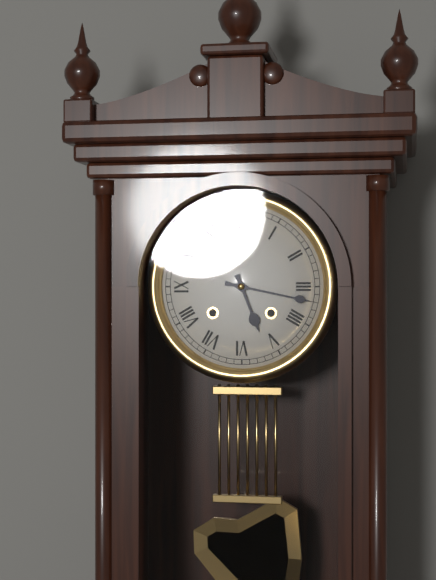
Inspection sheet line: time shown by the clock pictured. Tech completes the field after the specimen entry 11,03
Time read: 5,17
